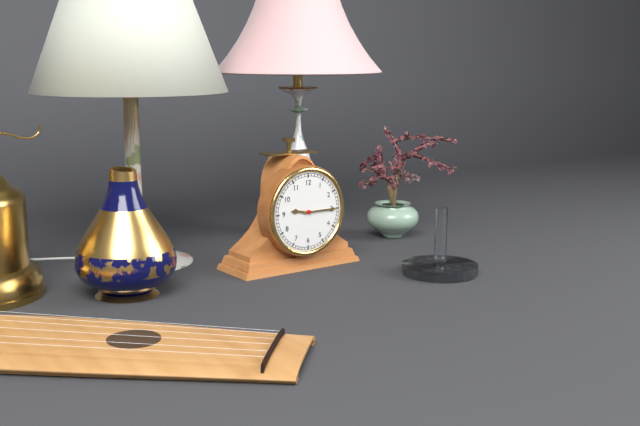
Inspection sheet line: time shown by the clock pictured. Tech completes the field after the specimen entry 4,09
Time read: 9,15
